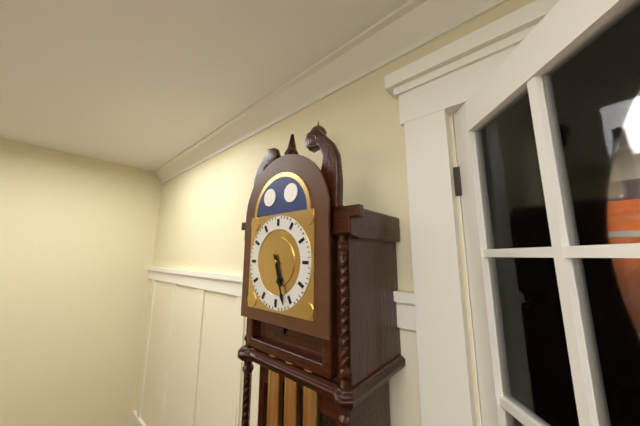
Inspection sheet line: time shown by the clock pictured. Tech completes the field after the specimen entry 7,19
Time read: 5,27
